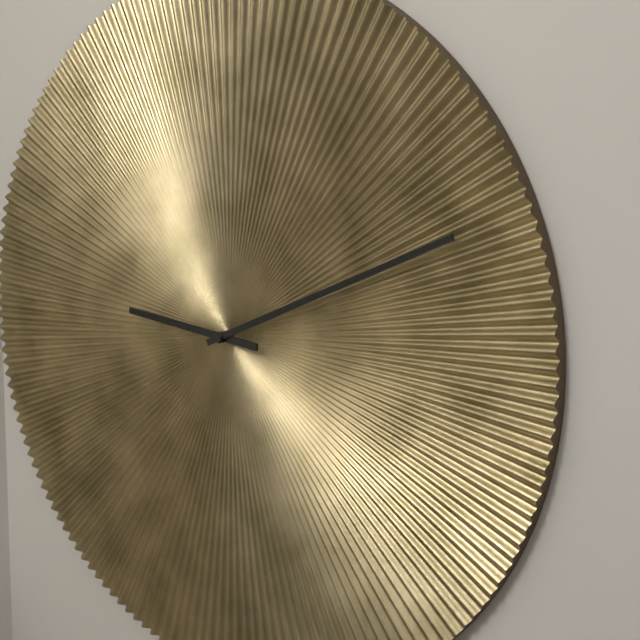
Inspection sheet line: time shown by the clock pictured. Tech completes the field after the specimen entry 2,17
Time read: 9,11
